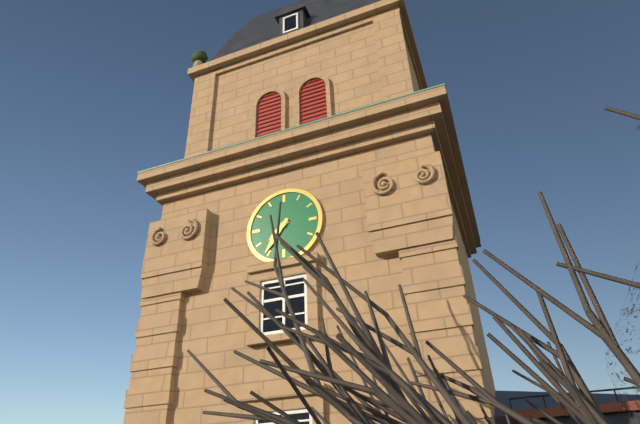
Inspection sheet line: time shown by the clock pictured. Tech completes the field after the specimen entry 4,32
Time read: 7,36
